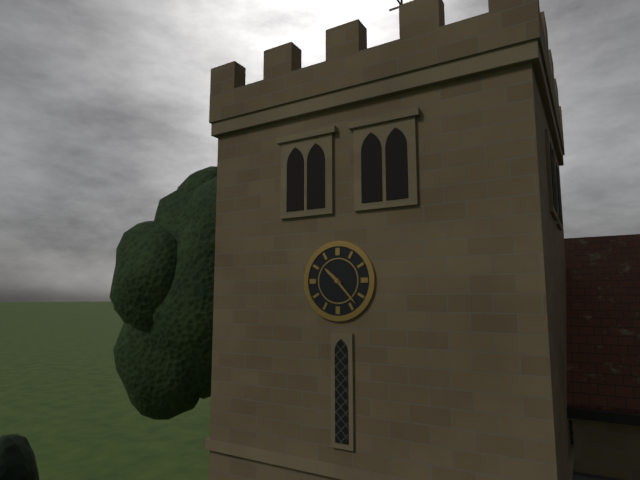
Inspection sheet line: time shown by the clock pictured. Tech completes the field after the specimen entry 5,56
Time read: 10,23
